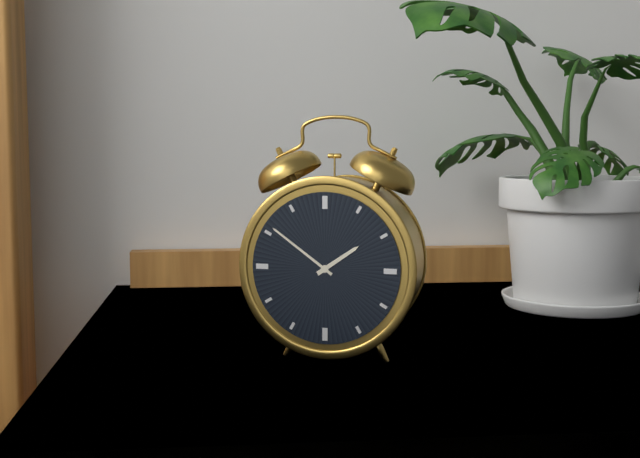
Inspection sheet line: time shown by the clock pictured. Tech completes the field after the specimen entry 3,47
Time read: 1,51
